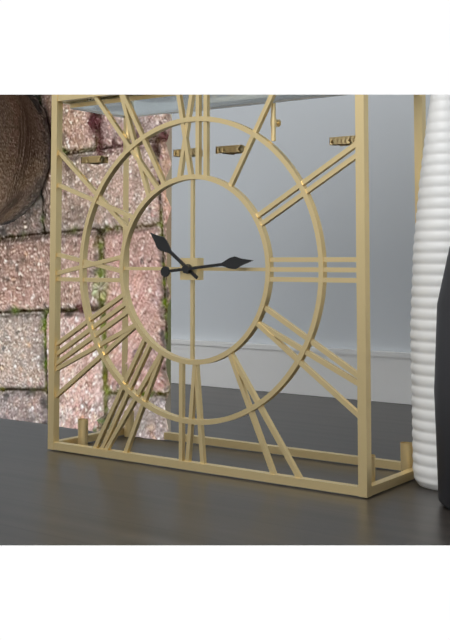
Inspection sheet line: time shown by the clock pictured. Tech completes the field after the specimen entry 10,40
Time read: 10,14
